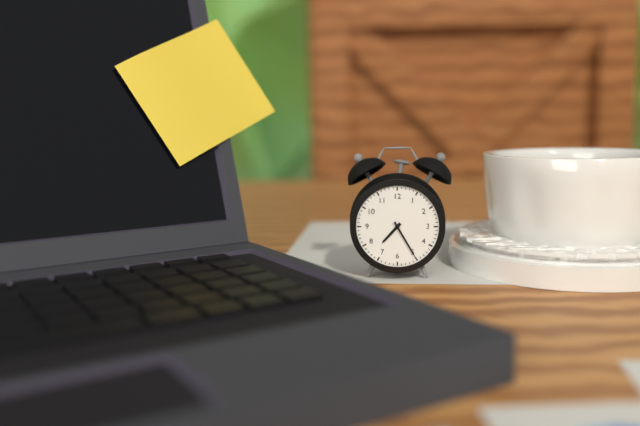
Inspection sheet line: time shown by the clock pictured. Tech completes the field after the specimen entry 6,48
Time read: 7,25
